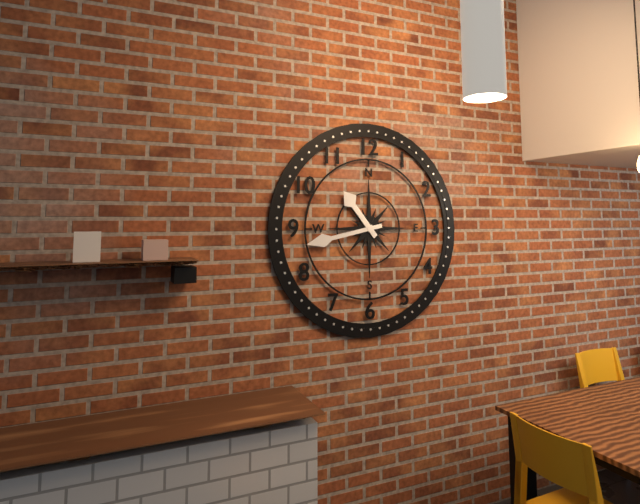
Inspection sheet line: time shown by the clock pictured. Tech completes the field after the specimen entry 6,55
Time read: 10,43
